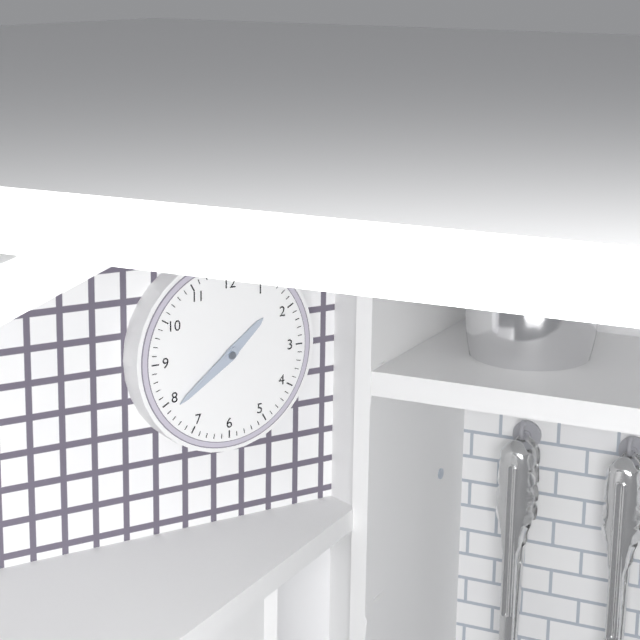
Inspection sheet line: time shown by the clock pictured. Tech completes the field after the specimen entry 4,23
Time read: 1,39
